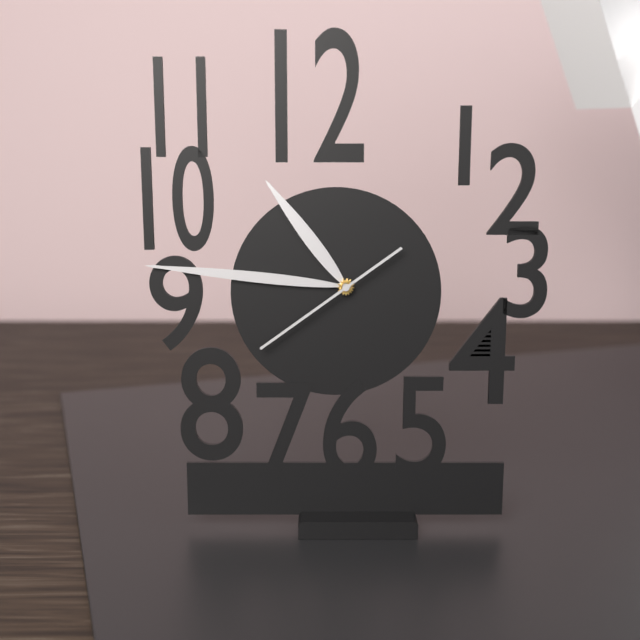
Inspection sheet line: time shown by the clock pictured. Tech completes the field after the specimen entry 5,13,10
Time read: 10,46,39
